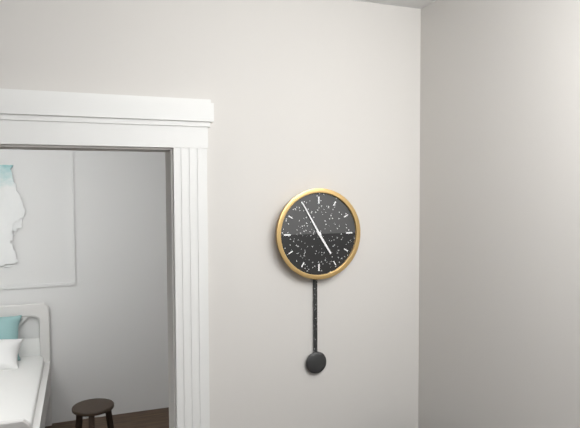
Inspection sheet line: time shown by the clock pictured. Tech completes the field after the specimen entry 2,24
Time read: 4,55
